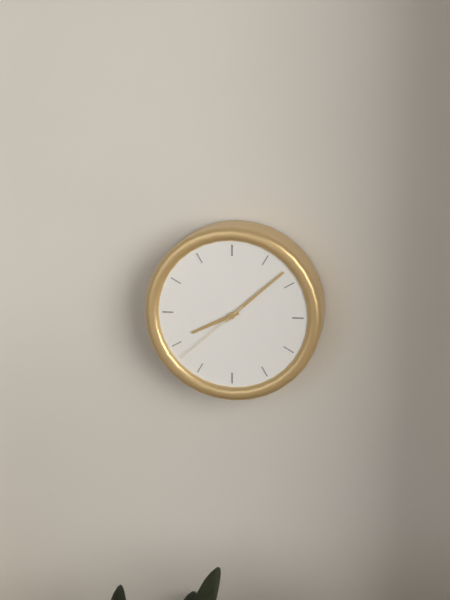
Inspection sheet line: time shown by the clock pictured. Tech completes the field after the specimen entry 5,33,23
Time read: 8,08,38
